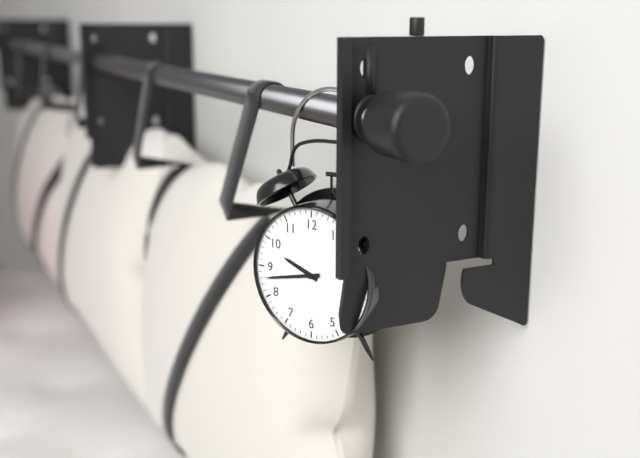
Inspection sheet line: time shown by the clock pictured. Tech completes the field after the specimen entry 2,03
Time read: 9,43
